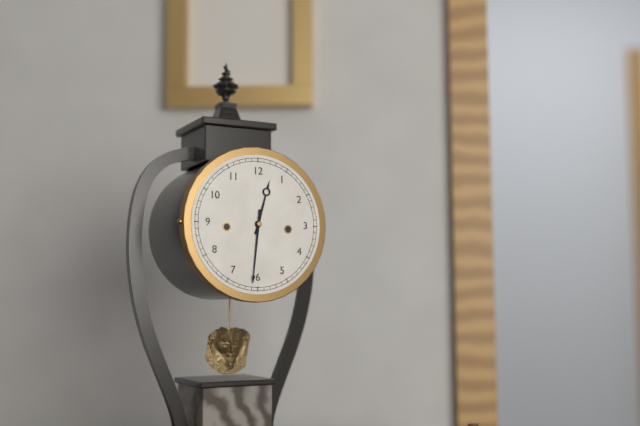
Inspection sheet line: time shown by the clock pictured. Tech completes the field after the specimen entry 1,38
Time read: 12,31
